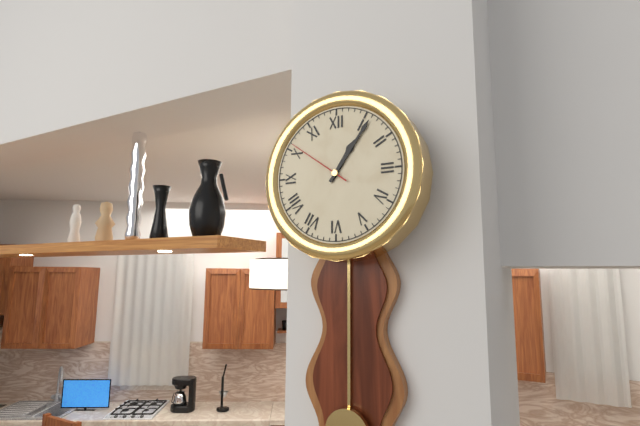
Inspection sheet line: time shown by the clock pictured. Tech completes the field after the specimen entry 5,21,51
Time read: 1,06,51
